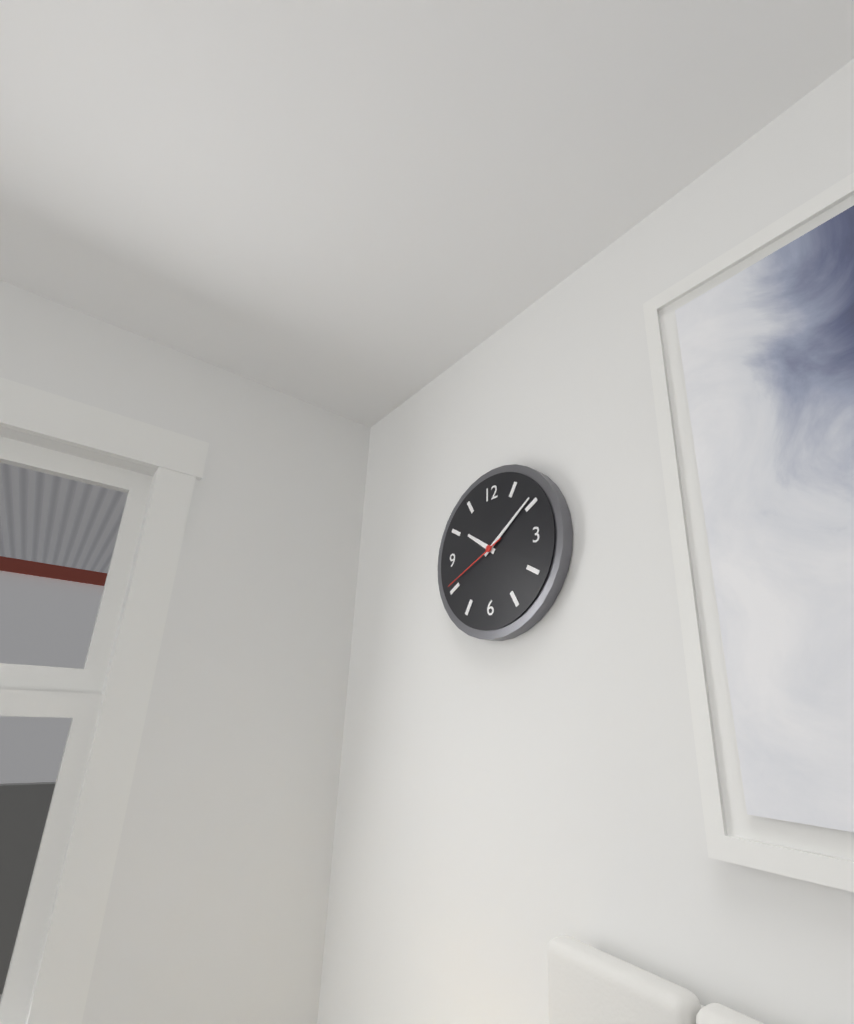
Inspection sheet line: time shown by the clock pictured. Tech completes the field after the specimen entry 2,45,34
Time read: 10,09,41
